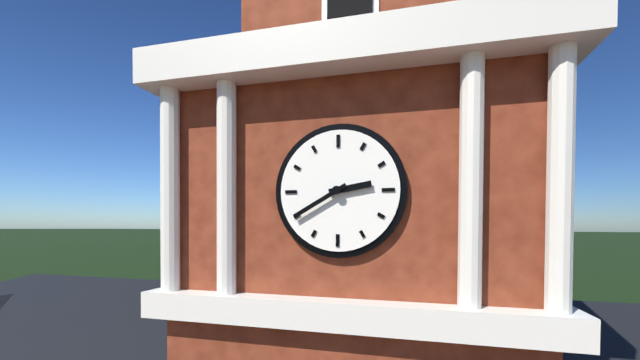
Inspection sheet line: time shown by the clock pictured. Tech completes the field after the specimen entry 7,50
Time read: 2,40
